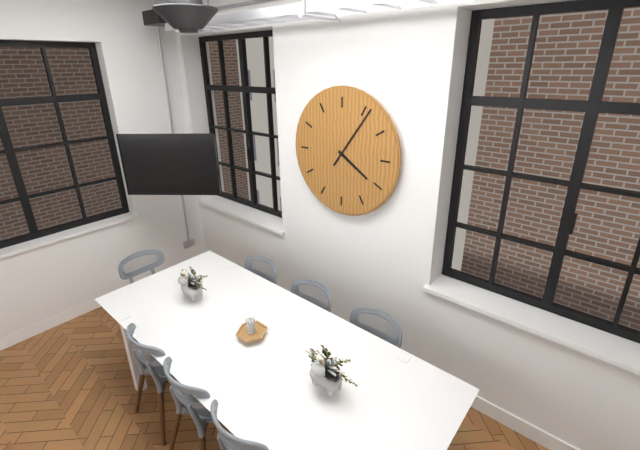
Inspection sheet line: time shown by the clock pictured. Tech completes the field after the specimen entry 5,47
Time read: 4,06
